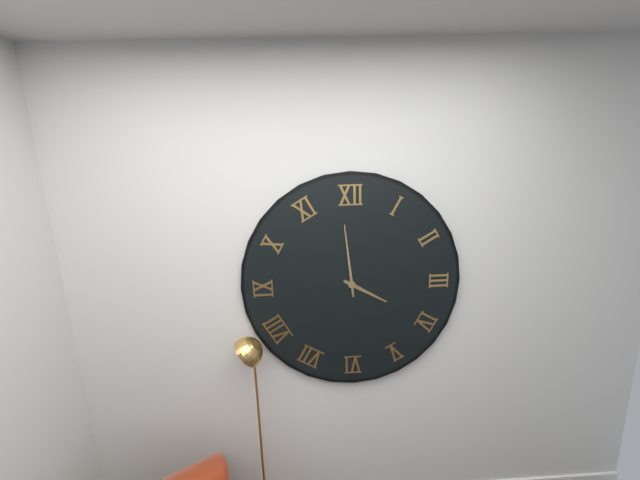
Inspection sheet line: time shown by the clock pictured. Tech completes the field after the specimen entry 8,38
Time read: 3,59
